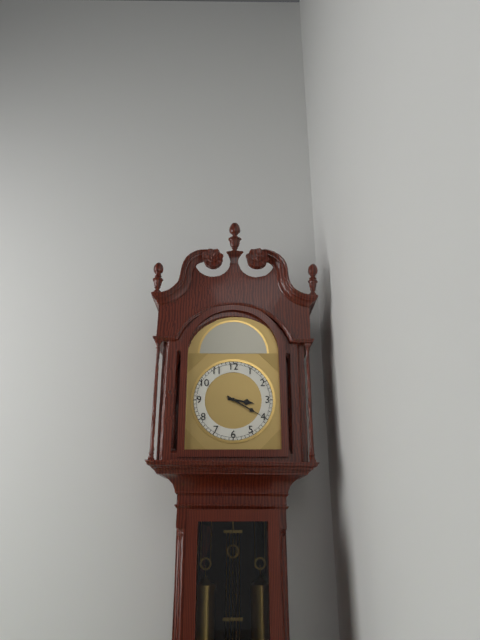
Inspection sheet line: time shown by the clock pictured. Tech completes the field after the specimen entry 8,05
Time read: 3,20
